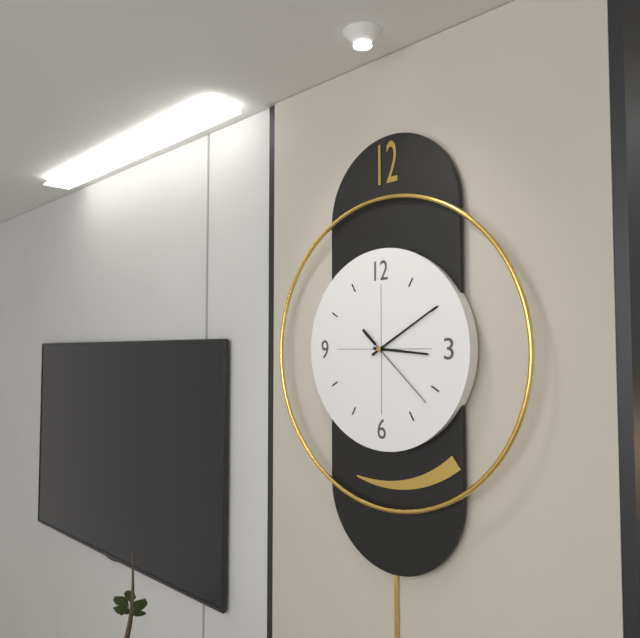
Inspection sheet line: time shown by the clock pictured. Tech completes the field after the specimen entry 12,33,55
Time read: 3,10,22
